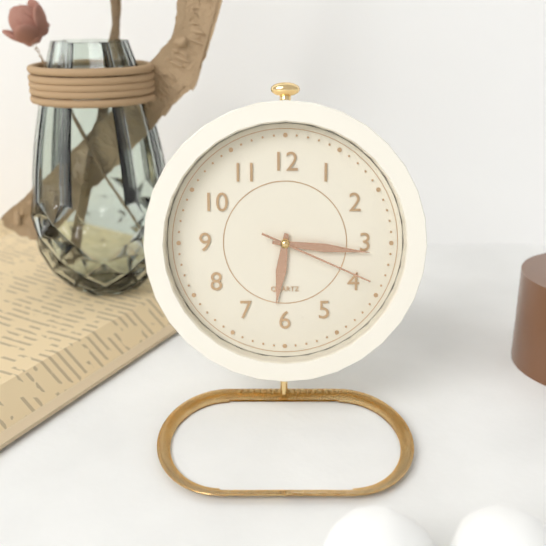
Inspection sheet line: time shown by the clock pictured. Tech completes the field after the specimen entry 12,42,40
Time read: 6,16,19
